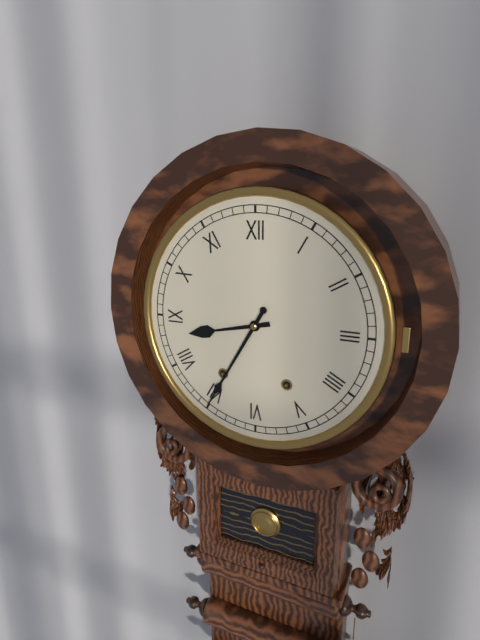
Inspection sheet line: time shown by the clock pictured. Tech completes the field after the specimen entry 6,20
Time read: 8,35
